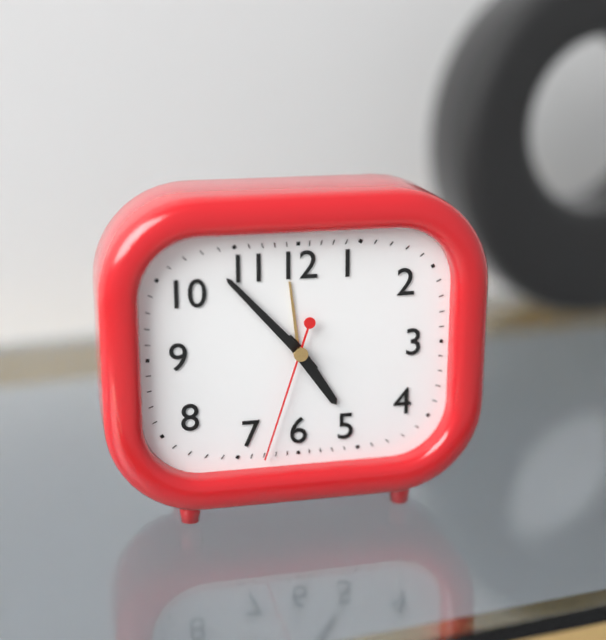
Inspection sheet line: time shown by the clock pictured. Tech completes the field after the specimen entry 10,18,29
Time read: 4,53,33
